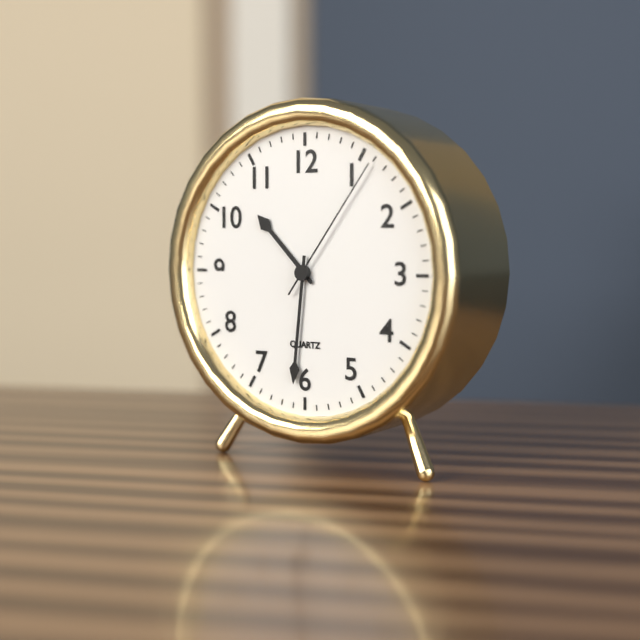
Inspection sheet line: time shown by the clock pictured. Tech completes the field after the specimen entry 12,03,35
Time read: 10,31,06
